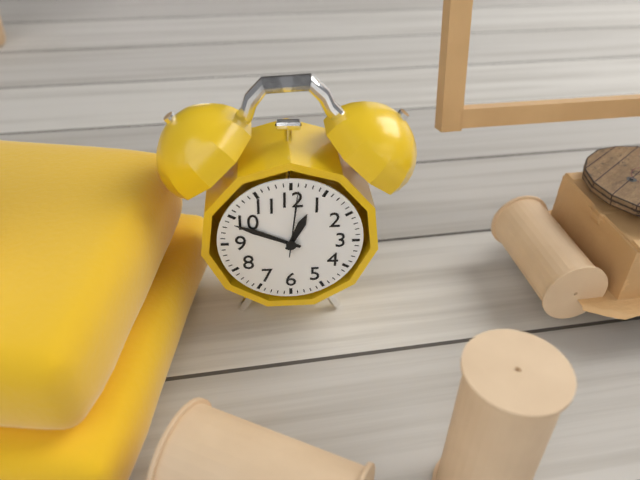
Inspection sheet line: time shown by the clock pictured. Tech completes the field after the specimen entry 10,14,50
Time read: 12,49,01
